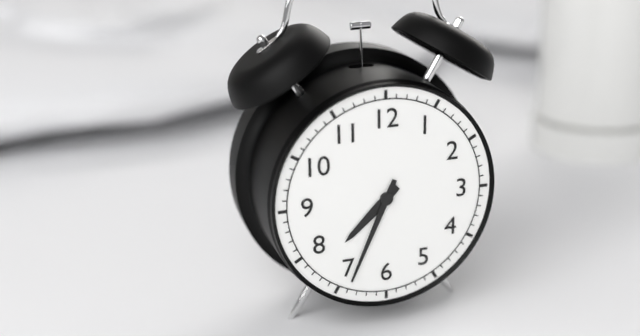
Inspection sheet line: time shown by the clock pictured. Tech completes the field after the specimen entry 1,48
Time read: 7,34
